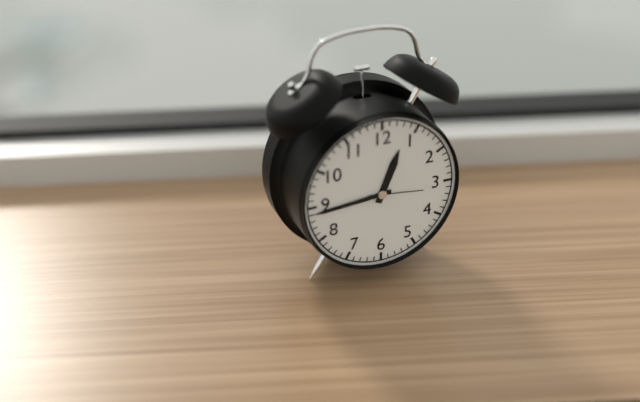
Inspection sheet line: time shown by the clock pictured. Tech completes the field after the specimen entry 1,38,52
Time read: 12,44,16
